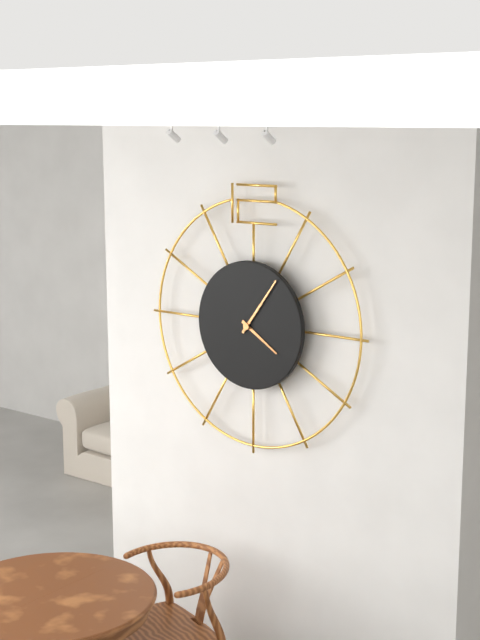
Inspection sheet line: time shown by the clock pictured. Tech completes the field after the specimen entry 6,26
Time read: 4,06
